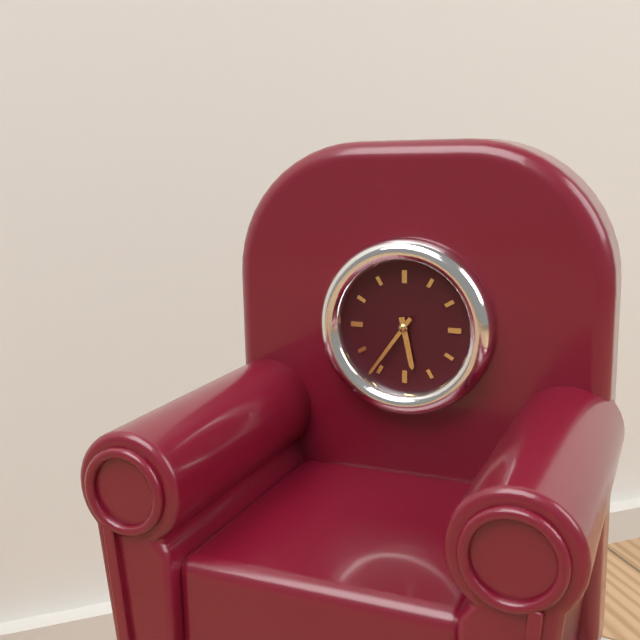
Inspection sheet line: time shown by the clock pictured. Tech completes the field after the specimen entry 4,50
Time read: 5,36
